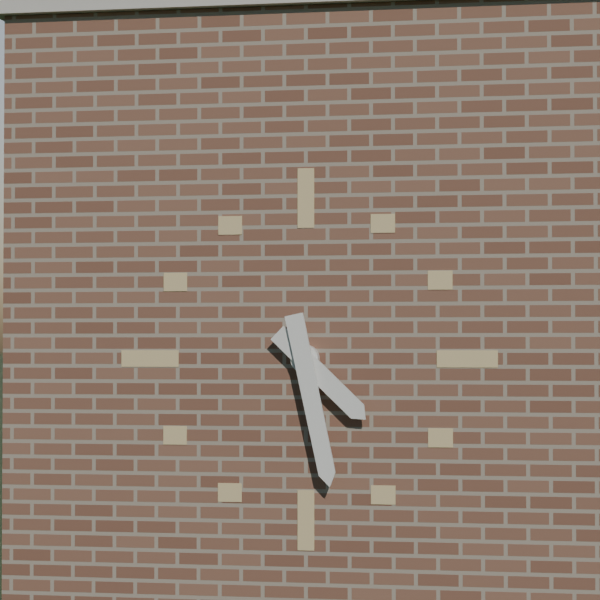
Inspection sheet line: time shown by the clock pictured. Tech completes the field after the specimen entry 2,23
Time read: 4,28
